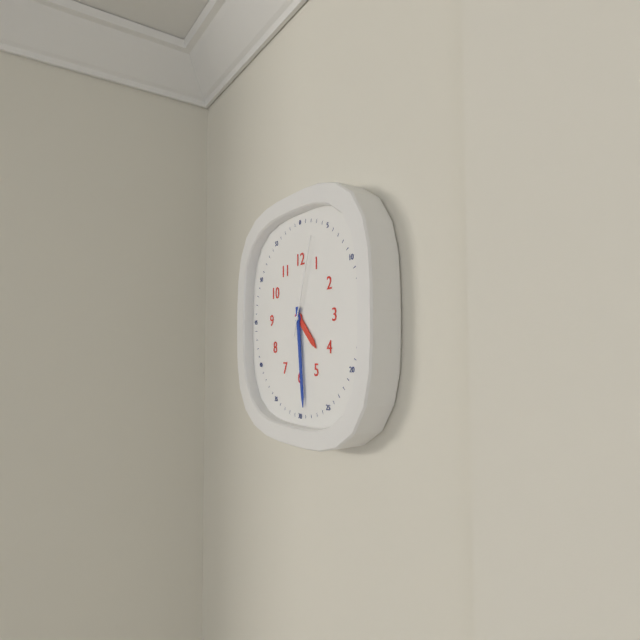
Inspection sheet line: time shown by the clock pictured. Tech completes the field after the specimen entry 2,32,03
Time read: 4,29,03
